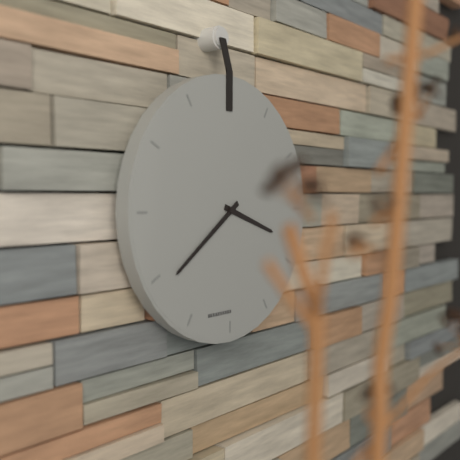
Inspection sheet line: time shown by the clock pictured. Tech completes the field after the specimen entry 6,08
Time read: 3,39
